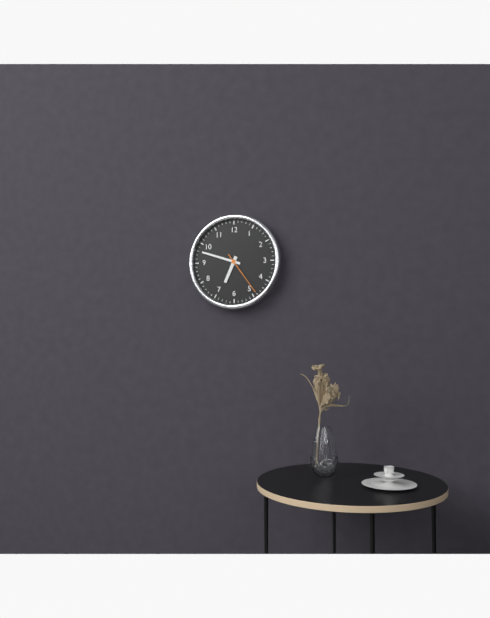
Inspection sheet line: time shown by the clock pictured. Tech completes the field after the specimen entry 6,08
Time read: 6,48
